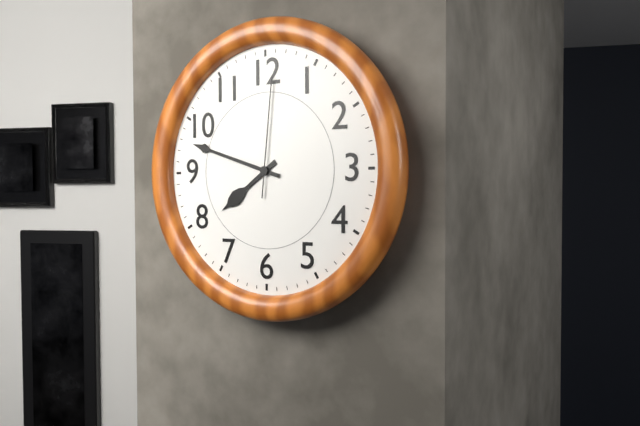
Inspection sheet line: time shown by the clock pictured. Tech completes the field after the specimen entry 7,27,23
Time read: 7,48,01
